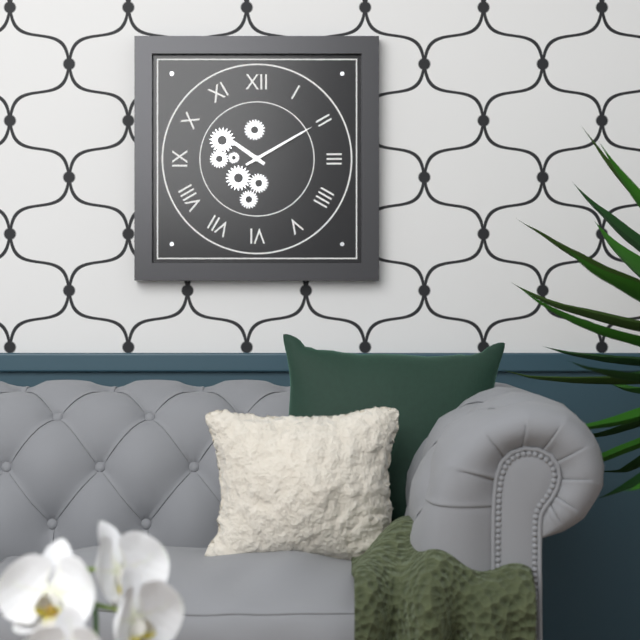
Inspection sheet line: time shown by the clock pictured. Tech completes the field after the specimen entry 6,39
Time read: 10,10
